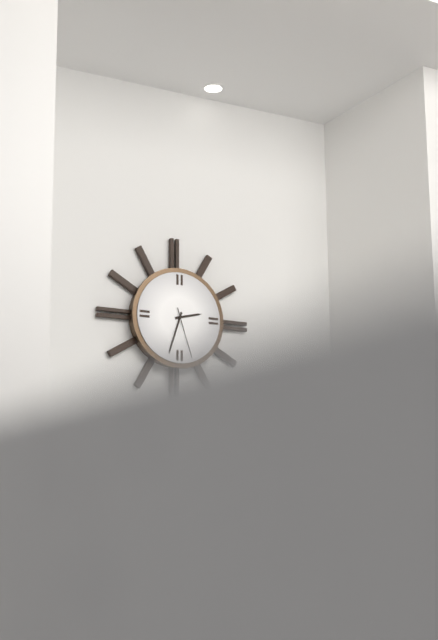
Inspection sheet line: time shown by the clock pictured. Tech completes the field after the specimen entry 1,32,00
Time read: 2,33,27
